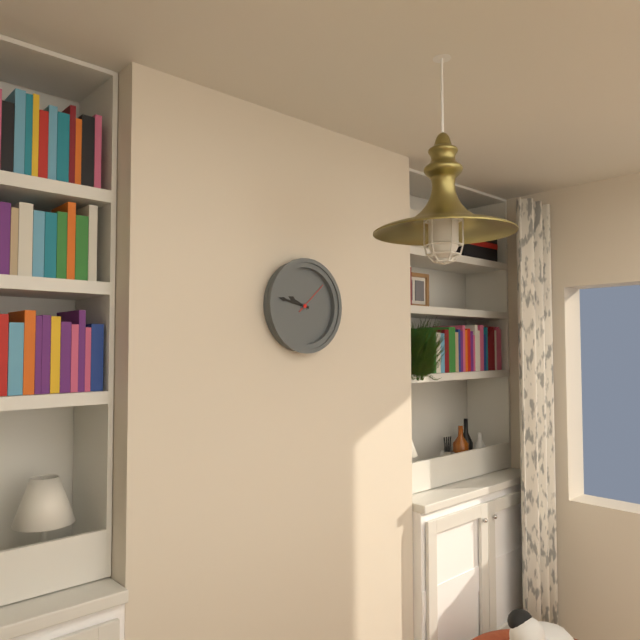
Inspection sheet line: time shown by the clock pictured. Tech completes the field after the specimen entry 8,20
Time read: 9,47
